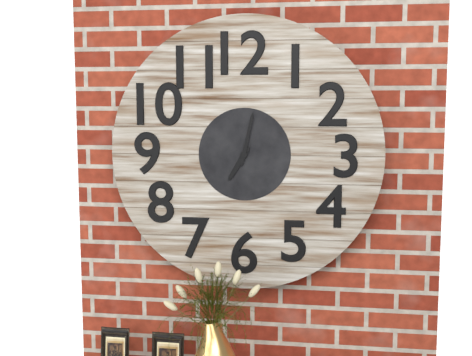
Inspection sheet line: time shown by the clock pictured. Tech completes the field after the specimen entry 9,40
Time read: 7,02
